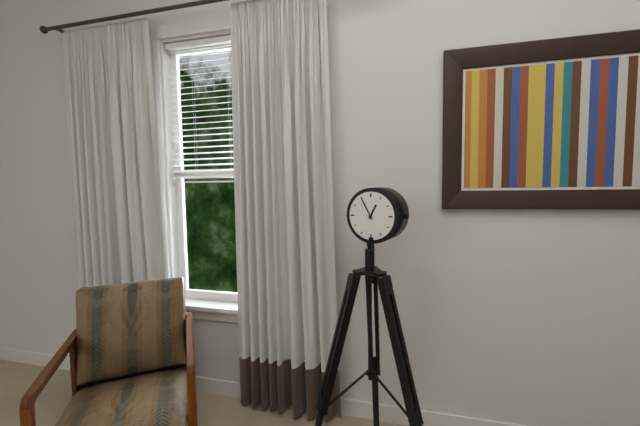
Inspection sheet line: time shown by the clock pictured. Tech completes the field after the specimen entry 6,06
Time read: 12,55
